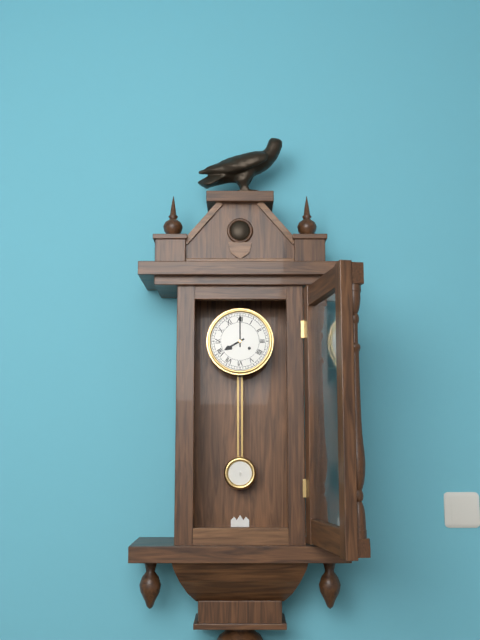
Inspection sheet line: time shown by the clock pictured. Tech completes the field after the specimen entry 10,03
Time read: 8,00
